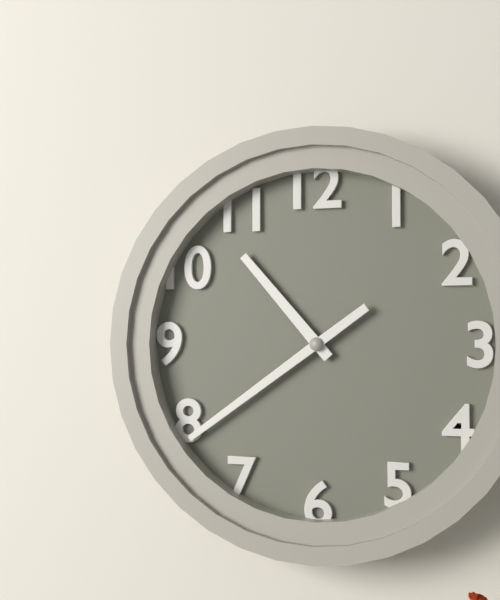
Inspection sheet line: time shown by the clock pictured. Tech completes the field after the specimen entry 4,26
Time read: 10,39
